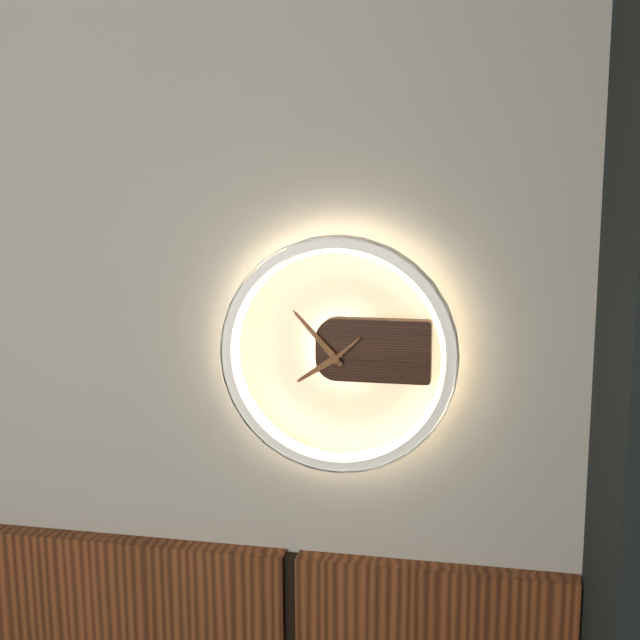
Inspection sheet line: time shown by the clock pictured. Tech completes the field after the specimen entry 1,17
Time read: 7,53
